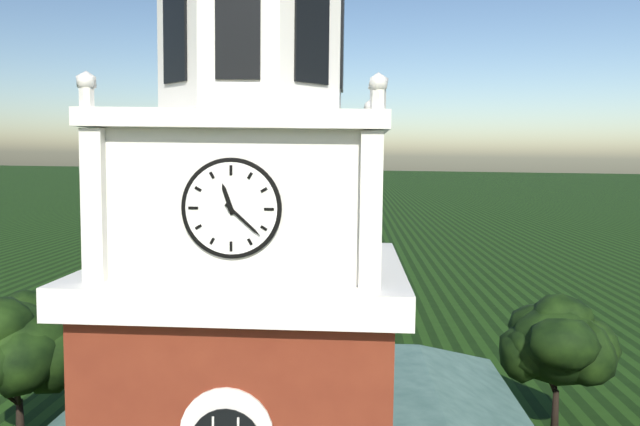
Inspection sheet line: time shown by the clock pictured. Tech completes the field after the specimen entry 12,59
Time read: 11,22
